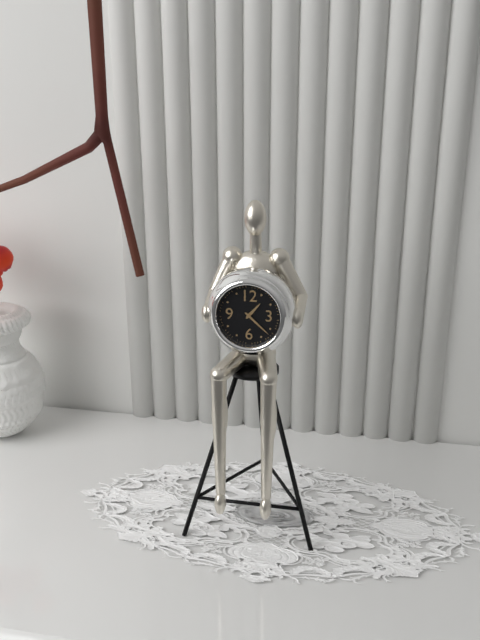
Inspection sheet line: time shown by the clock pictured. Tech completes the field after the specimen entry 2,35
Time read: 1,22
